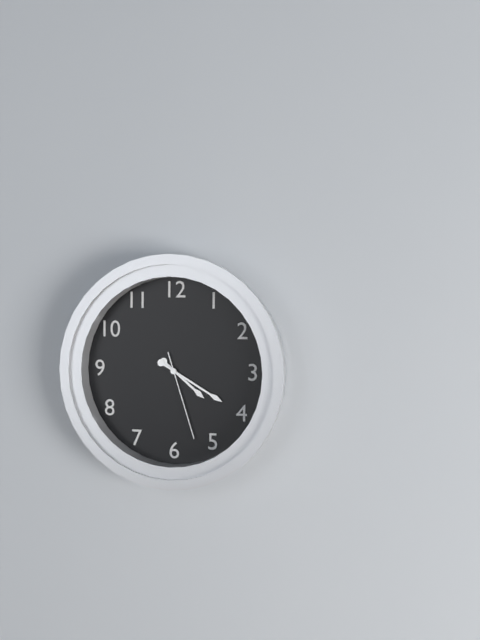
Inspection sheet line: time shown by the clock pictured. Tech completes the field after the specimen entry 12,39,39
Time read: 4,20,27
